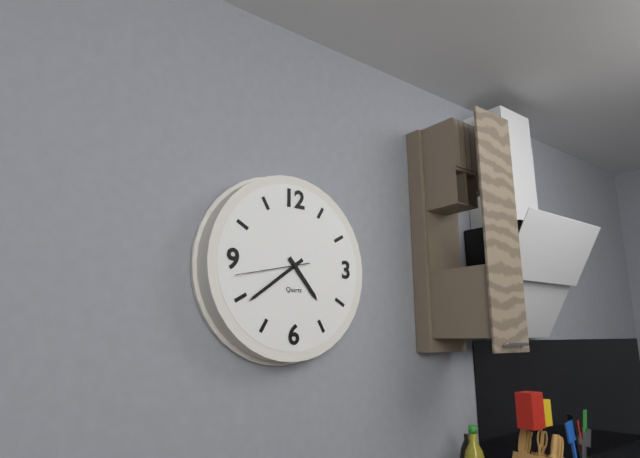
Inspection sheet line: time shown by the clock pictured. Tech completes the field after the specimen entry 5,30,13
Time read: 4,39,43
